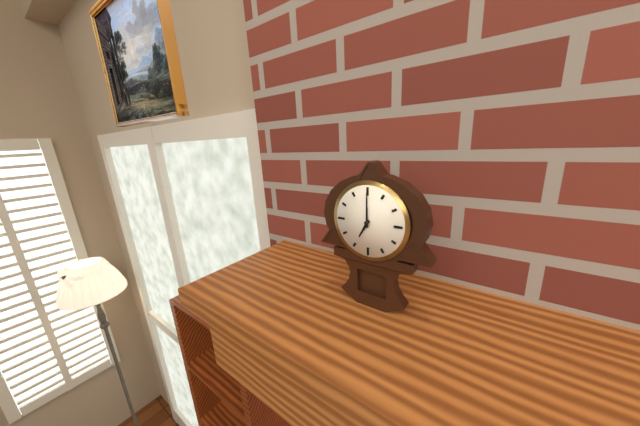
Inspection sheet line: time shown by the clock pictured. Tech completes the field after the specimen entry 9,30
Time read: 7,00
